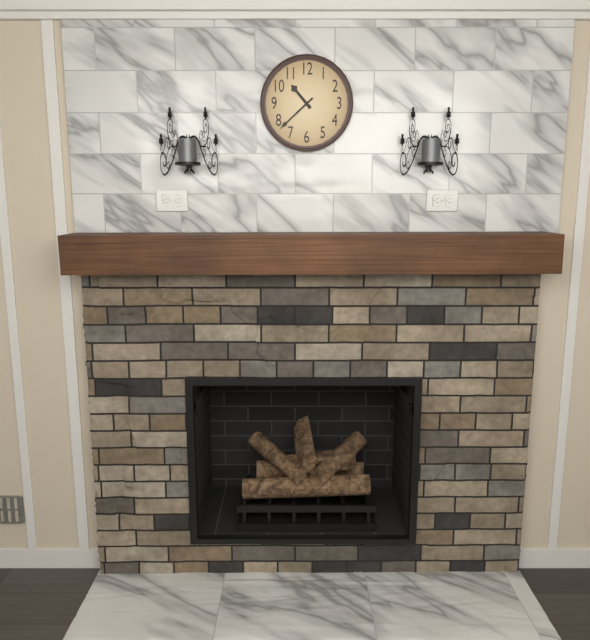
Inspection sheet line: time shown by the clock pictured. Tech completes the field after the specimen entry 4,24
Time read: 10,38
